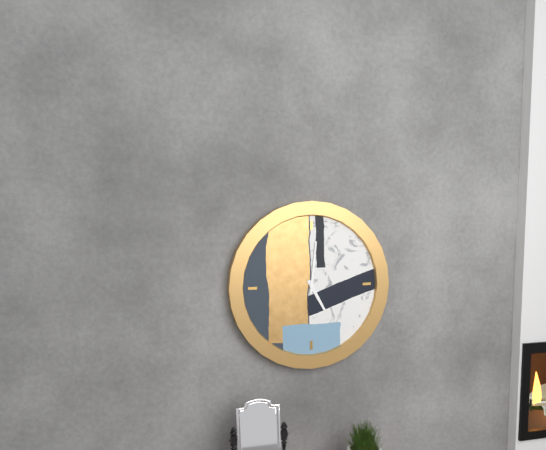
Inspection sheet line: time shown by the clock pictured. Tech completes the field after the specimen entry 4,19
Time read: 5,01
